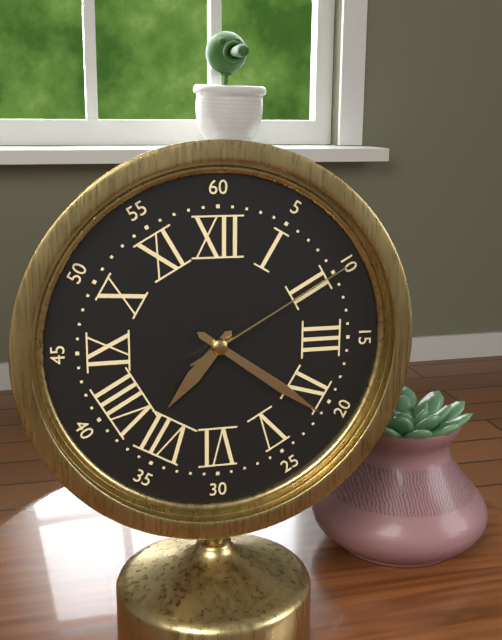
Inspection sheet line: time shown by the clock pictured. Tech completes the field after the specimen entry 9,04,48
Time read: 7,21,10
